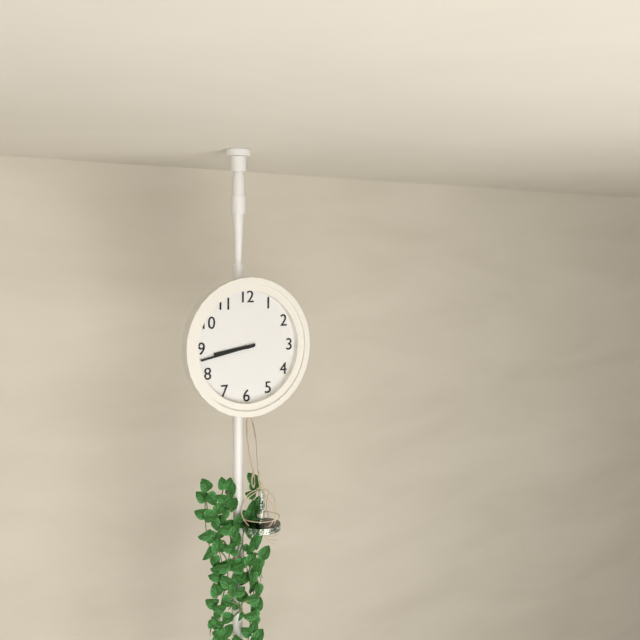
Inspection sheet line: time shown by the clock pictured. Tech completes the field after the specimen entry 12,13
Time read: 8,43
